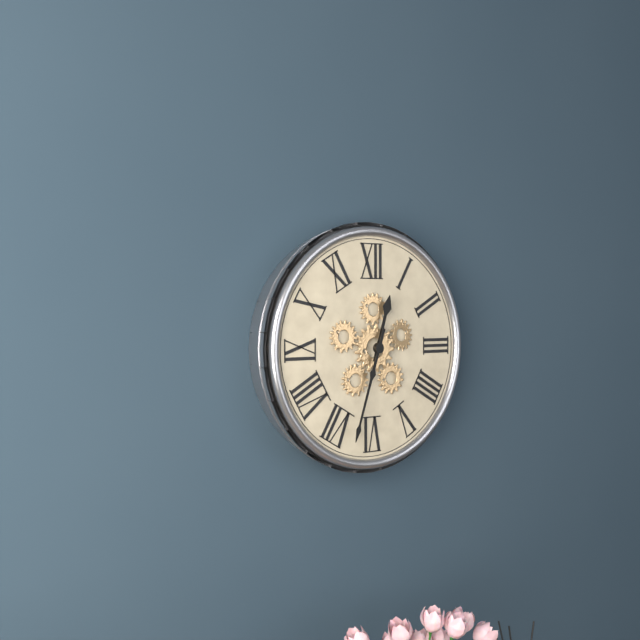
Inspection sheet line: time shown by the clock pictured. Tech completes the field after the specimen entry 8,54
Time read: 12,33
